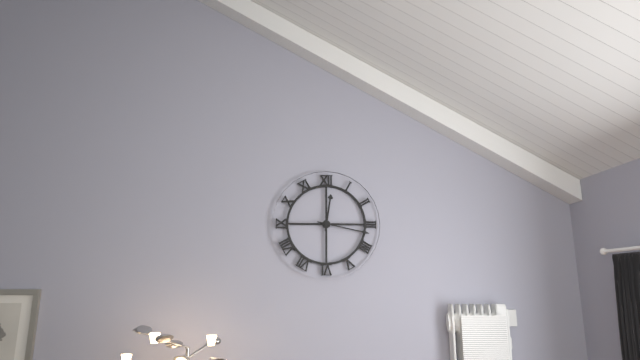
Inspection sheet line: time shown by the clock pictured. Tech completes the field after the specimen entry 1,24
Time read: 12,17
